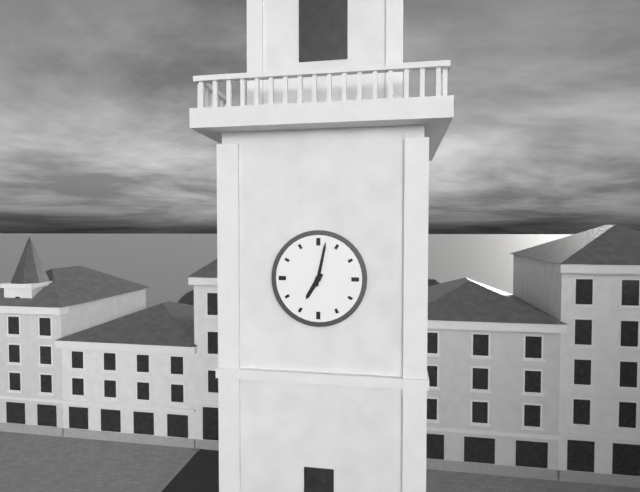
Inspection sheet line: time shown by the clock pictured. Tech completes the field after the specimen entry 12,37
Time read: 7,02
